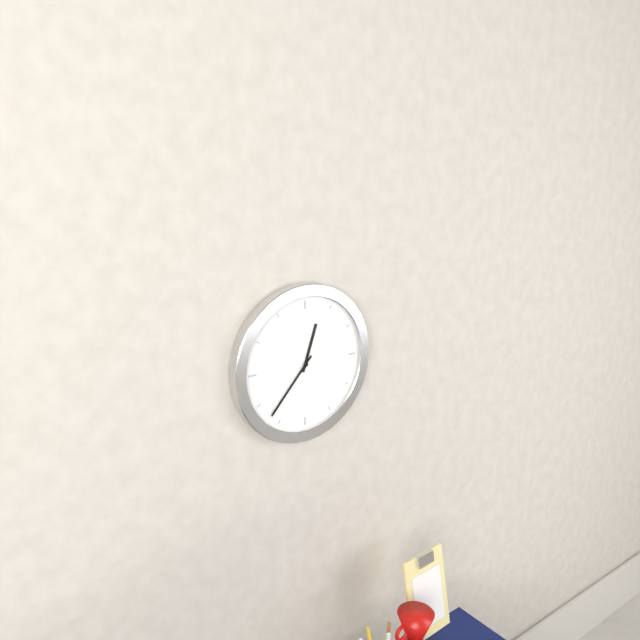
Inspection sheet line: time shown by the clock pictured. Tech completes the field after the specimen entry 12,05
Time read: 12,37
